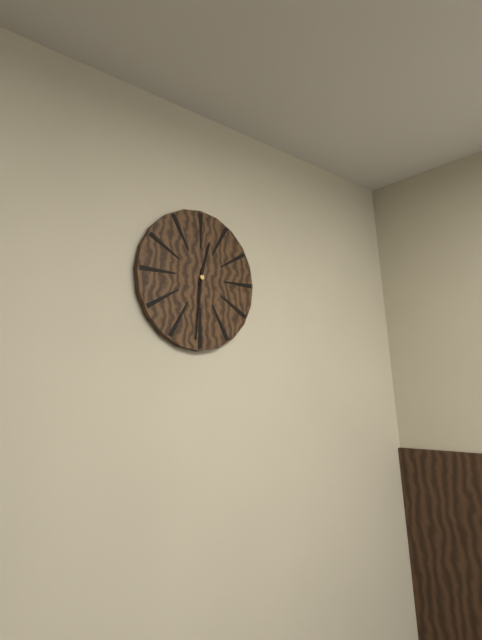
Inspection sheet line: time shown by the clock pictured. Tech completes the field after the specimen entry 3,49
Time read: 12,31
